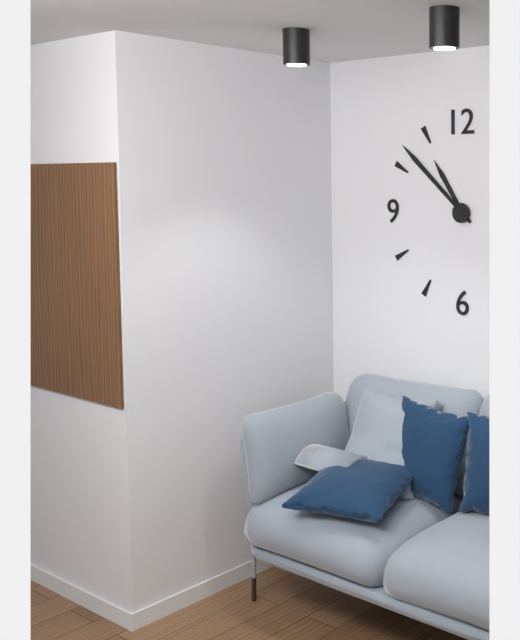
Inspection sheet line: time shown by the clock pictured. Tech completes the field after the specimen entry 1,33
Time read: 10,52
